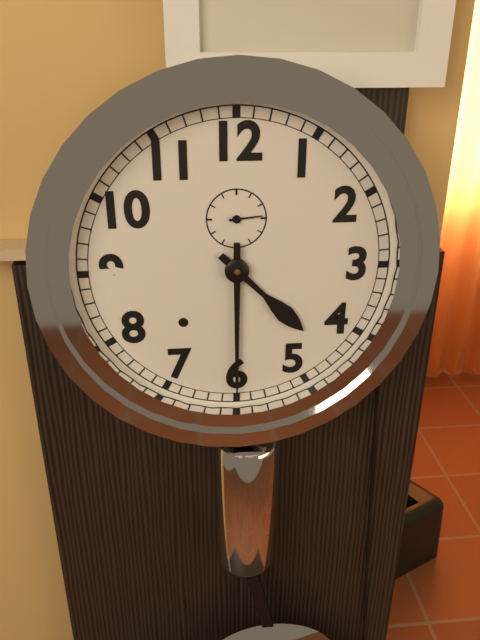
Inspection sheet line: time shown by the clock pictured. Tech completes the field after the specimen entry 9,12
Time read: 4,30
